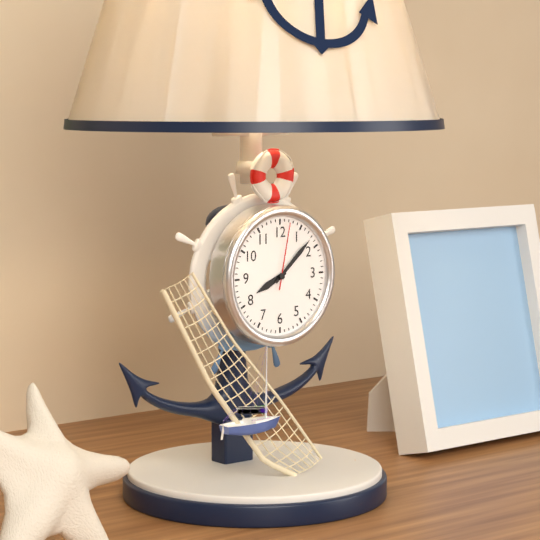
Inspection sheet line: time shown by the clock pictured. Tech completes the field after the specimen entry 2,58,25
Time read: 8,08,02
